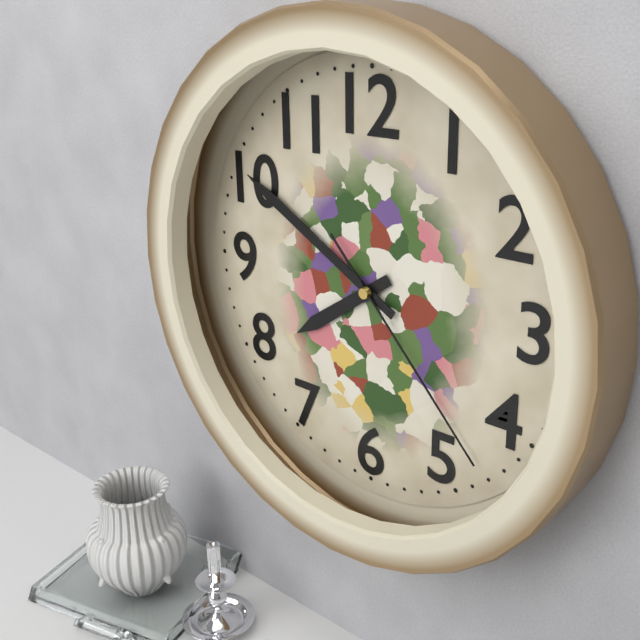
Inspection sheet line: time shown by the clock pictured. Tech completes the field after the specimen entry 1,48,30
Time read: 7,50,23
